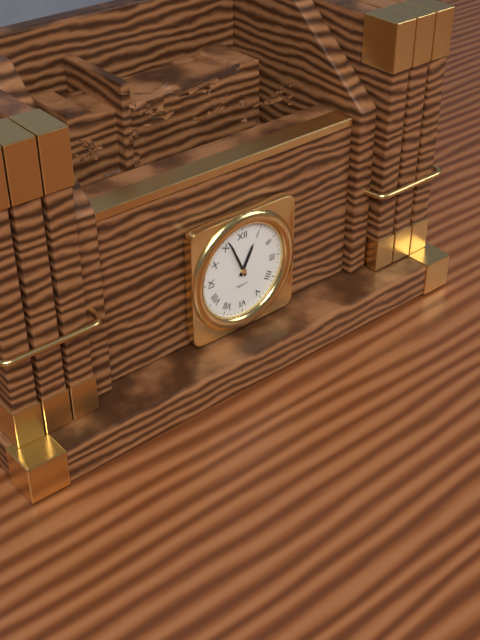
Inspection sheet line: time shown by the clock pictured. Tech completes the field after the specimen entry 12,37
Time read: 12,56
